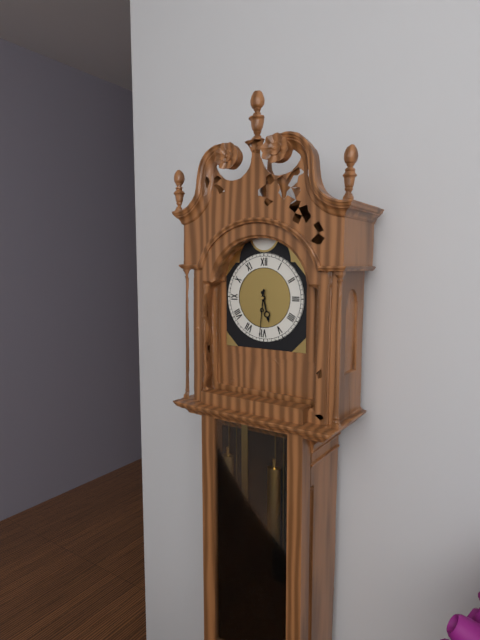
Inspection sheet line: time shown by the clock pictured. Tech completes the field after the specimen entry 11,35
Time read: 5,31
